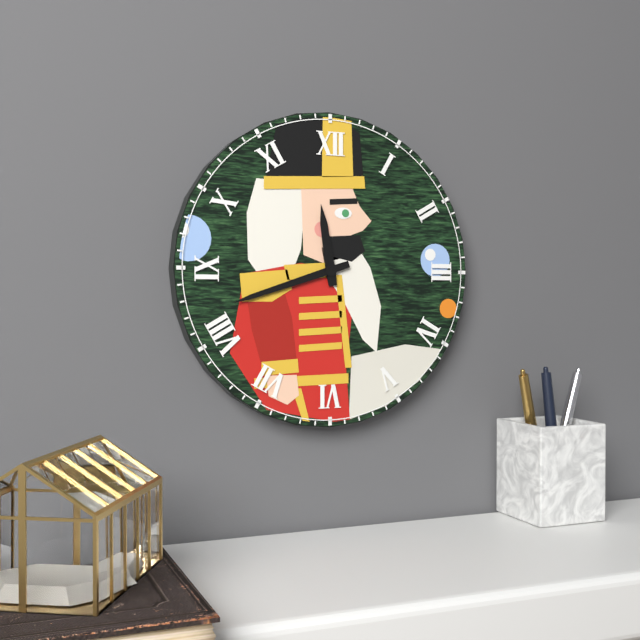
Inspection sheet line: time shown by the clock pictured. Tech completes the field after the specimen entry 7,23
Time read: 11,42
